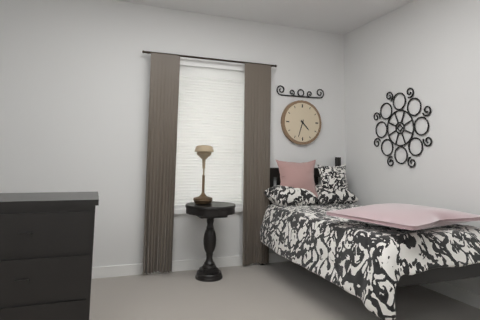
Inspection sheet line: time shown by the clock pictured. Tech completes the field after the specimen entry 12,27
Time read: 4,33
